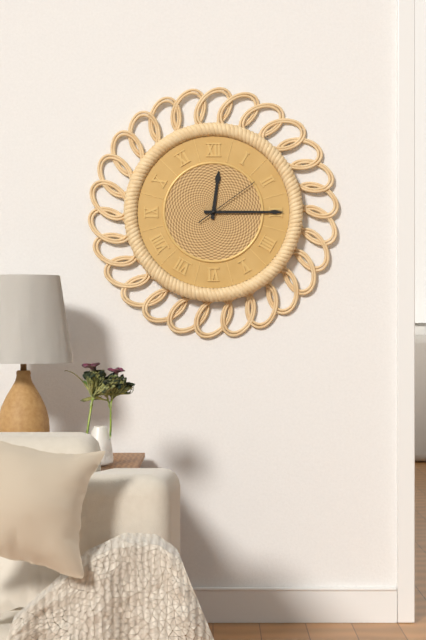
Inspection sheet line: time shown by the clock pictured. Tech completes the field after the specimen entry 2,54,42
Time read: 12,15,09
